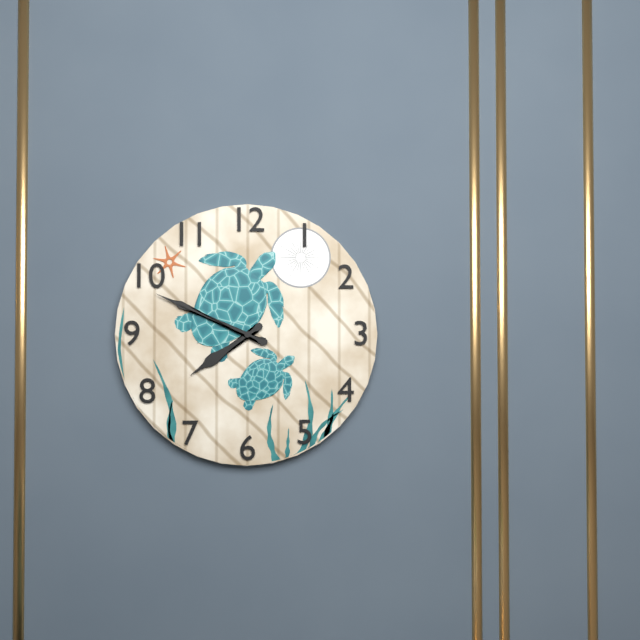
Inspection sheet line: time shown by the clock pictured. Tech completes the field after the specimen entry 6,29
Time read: 7,49
